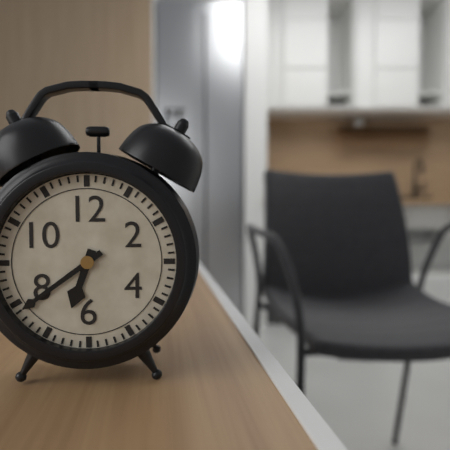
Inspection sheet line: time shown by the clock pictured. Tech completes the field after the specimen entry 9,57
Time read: 6,39
